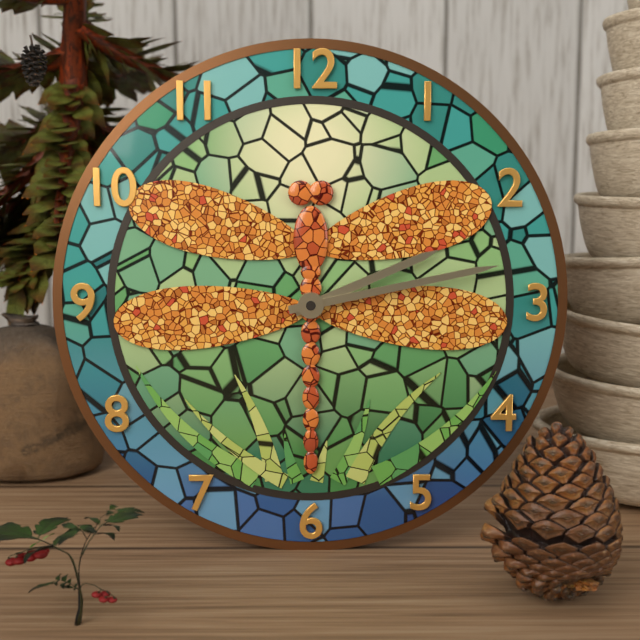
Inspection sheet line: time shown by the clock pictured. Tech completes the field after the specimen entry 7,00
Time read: 2,13
